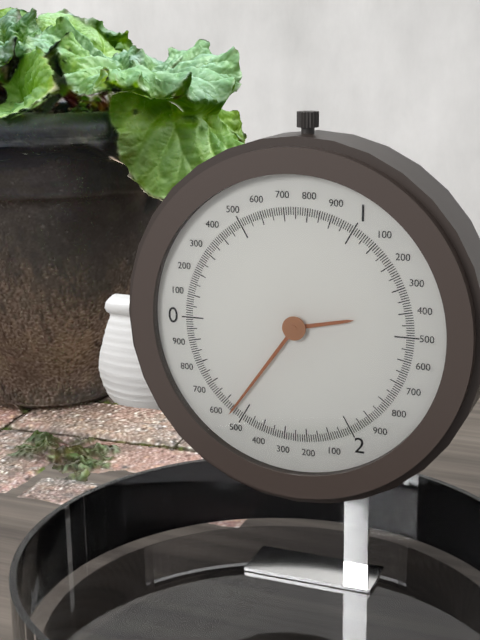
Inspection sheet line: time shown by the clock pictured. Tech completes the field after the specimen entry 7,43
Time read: 2,36
